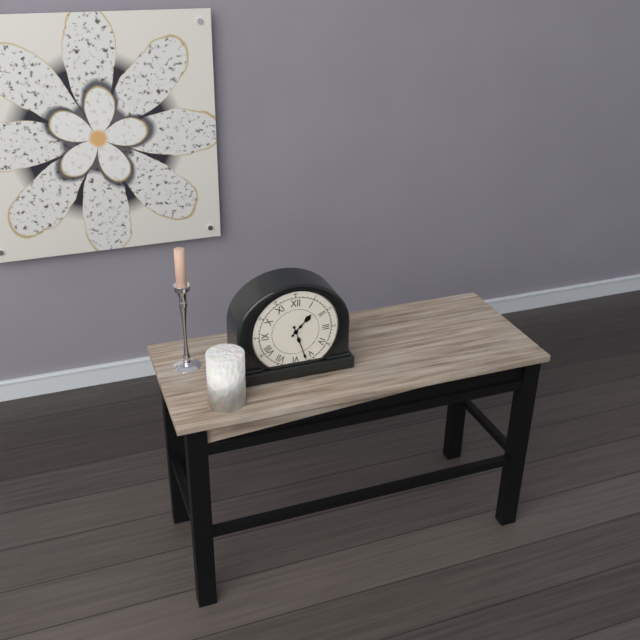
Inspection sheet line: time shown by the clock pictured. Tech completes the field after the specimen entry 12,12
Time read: 1,27
